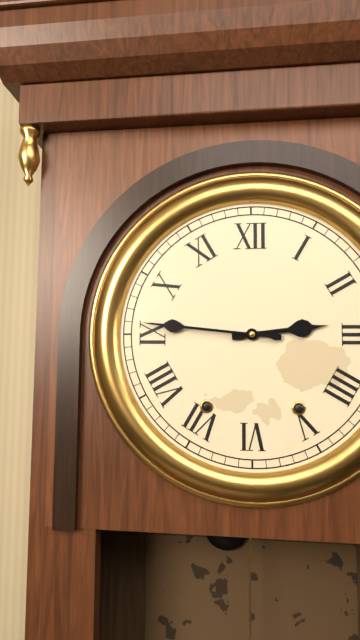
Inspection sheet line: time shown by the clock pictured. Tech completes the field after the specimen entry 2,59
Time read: 2,46
